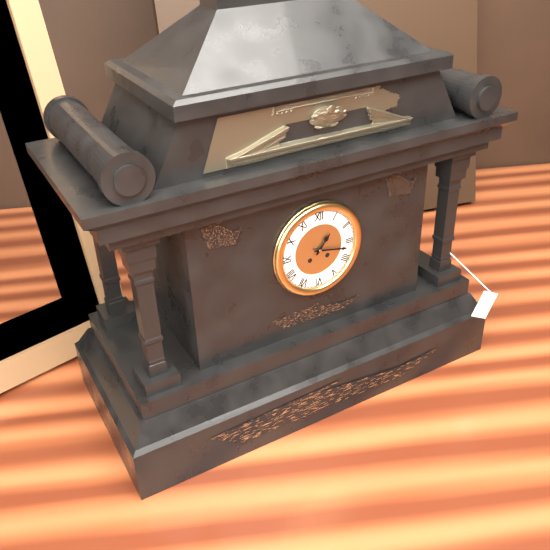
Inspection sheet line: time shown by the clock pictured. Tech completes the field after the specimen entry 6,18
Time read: 1,17
